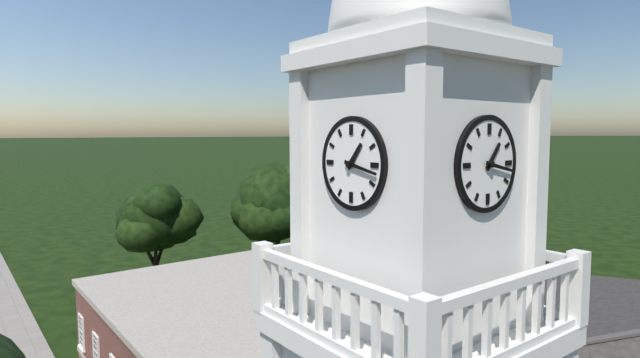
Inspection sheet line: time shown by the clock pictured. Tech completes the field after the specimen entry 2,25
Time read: 1,17
